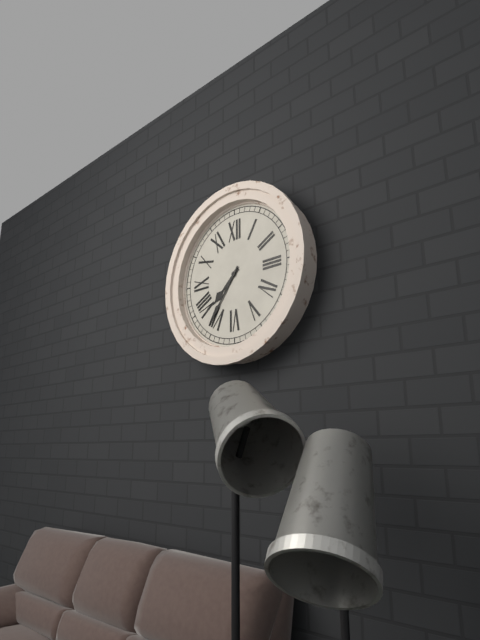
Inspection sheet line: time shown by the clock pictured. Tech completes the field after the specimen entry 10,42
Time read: 7,36
